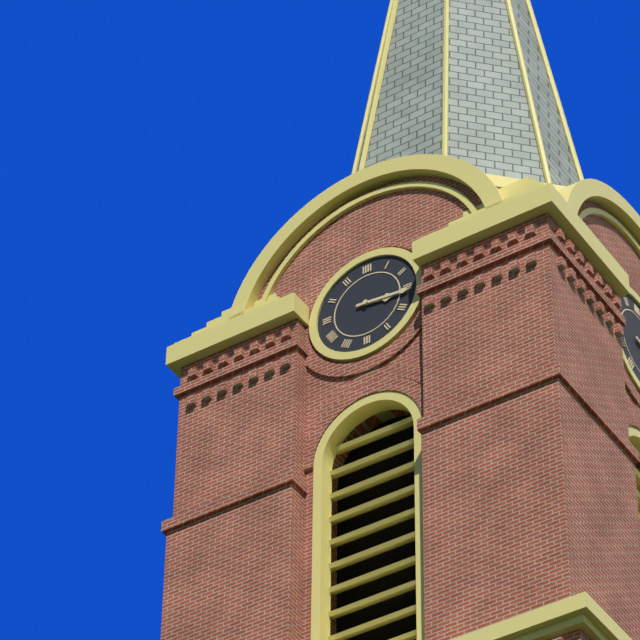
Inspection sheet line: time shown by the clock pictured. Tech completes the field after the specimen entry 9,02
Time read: 3,16
